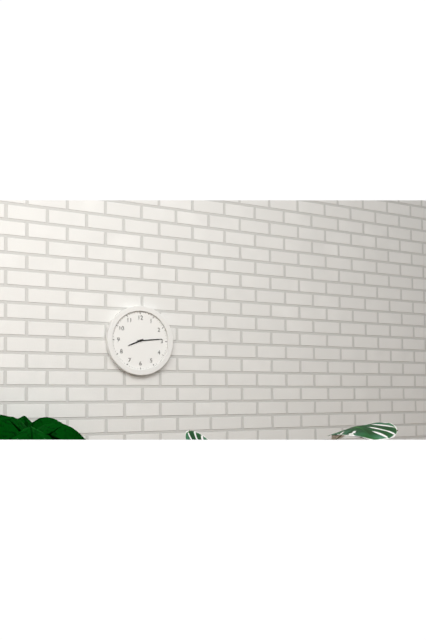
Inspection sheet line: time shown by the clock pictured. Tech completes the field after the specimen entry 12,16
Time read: 8,14
